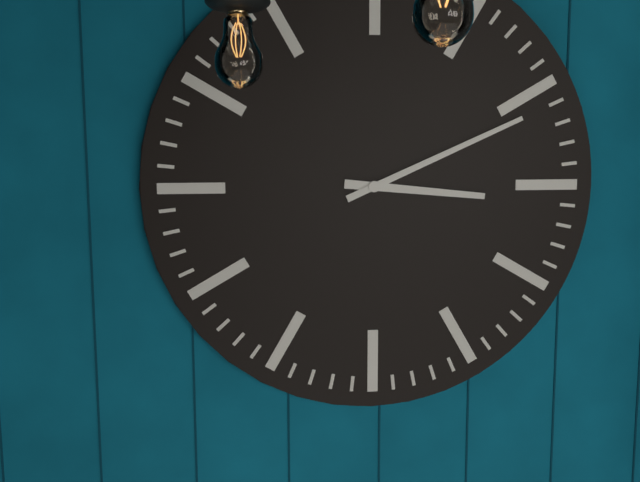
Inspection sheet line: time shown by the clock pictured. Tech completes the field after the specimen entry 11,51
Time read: 3,11
